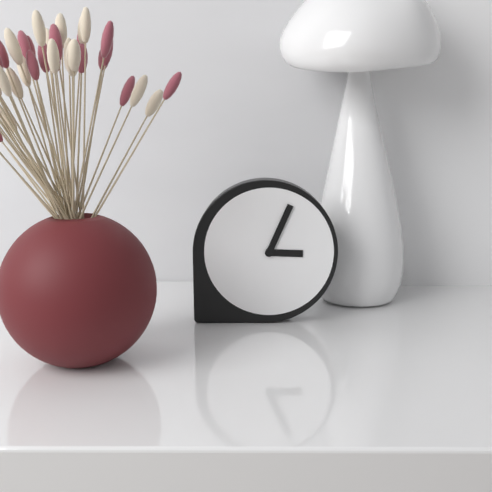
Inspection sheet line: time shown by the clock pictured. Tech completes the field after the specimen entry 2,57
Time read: 3,04
